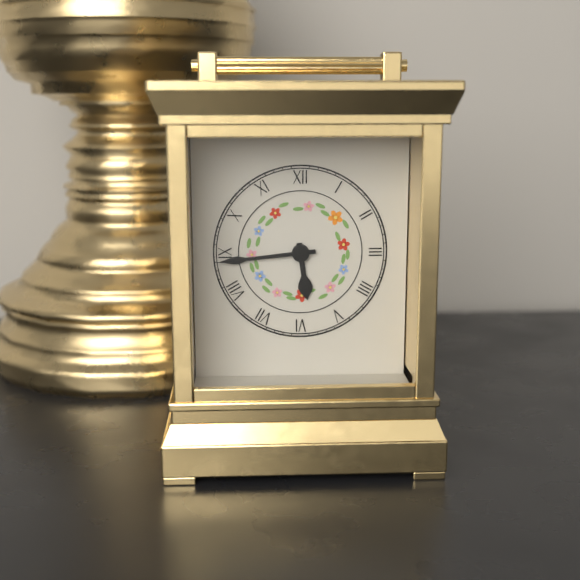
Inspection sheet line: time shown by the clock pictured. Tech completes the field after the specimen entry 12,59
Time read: 5,44
